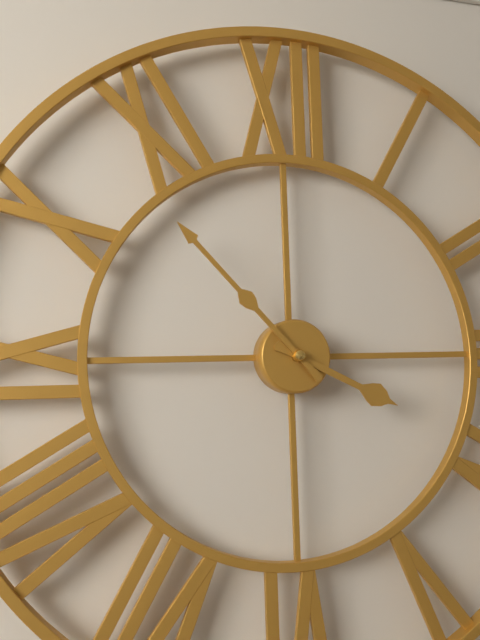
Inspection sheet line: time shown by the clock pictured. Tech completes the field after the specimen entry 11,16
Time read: 3,53
